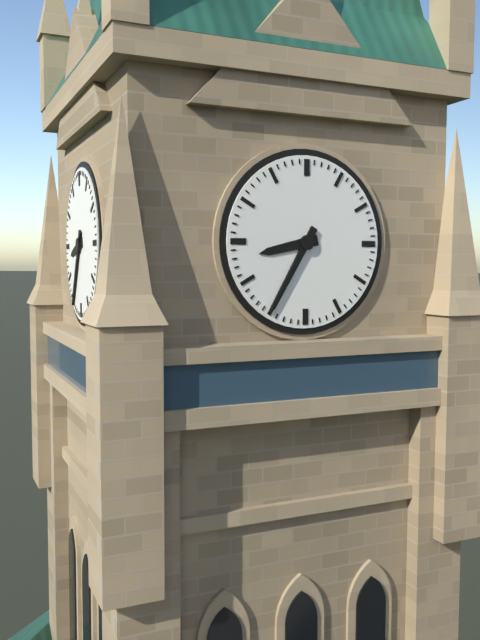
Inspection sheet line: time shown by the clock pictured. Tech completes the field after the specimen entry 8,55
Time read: 8,35
